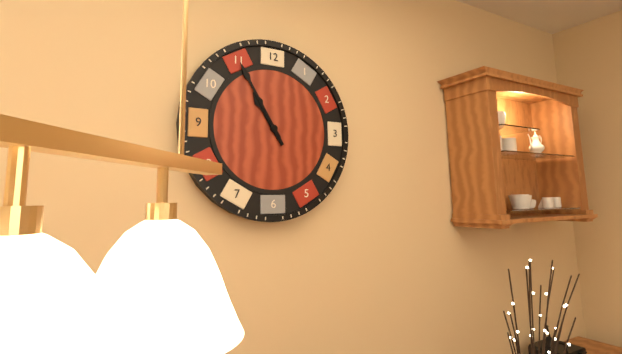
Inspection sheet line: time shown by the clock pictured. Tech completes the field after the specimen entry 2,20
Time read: 10,55
